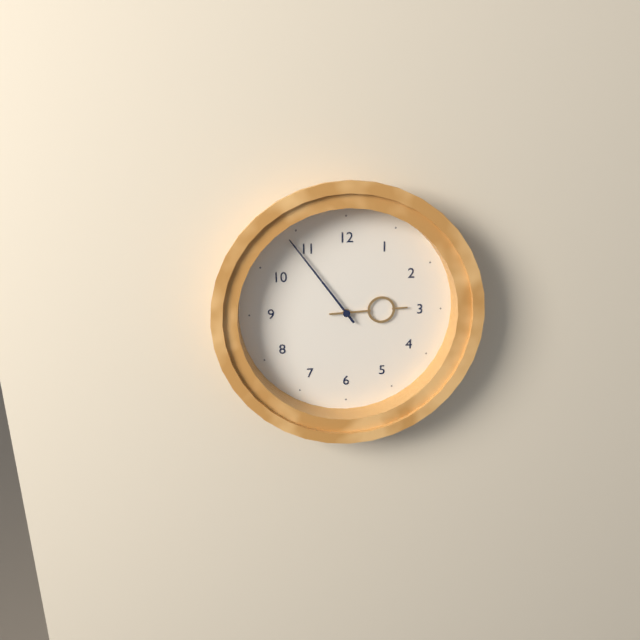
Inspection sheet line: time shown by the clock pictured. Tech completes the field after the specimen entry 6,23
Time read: 2,54
